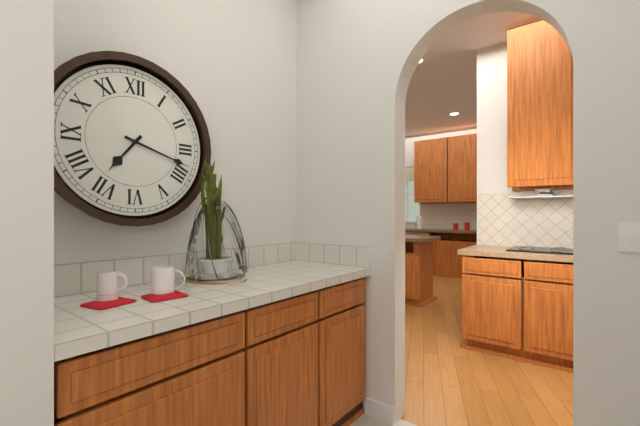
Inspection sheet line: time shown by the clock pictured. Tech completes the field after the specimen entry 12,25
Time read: 7,18
